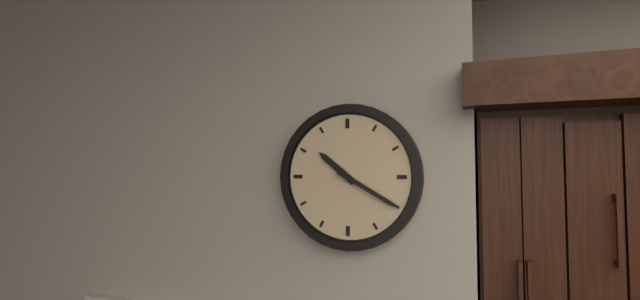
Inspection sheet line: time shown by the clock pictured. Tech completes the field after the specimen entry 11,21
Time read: 10,20
